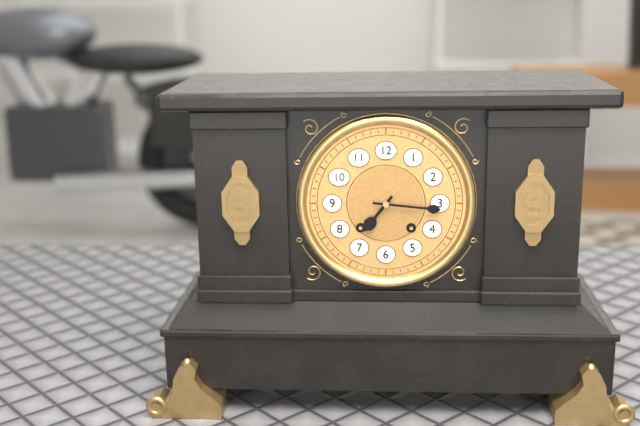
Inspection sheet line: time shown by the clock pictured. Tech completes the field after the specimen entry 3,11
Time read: 7,16
